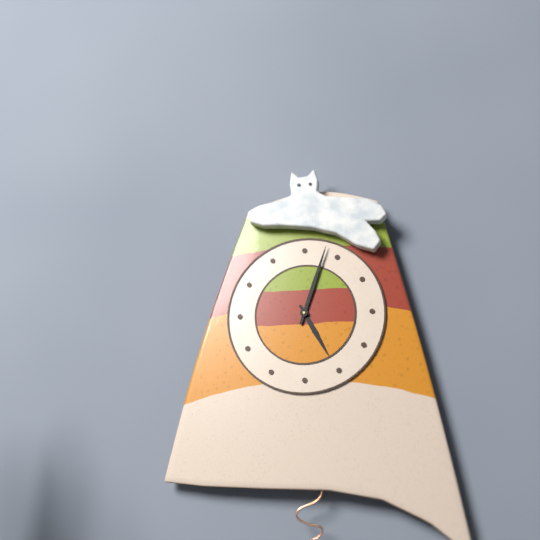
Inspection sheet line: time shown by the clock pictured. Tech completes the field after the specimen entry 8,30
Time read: 5,03
